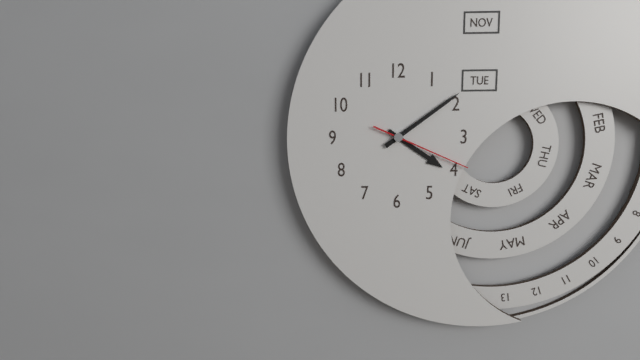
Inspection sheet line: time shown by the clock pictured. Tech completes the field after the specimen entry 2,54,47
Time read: 4,09,19
